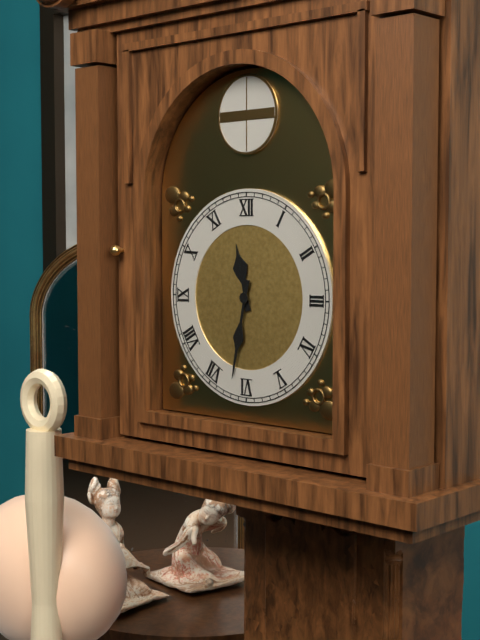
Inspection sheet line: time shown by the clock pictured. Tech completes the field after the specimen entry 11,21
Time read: 11,32
